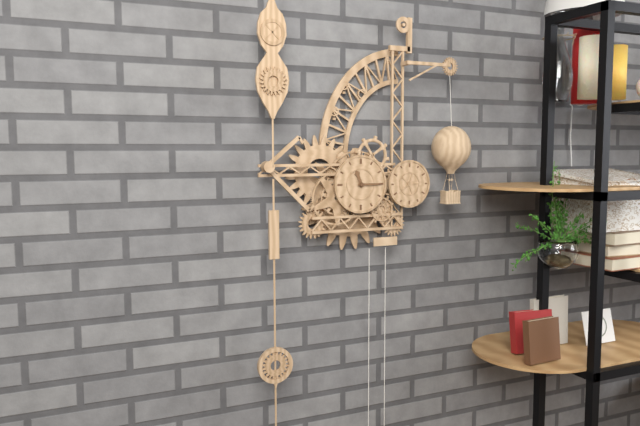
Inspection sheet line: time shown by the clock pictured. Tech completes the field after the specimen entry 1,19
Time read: 11,15
